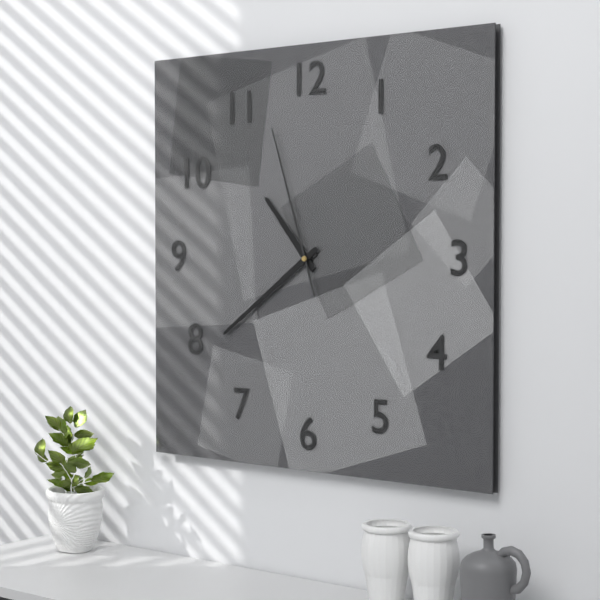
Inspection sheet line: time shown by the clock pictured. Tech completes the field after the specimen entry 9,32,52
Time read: 10,39,57
